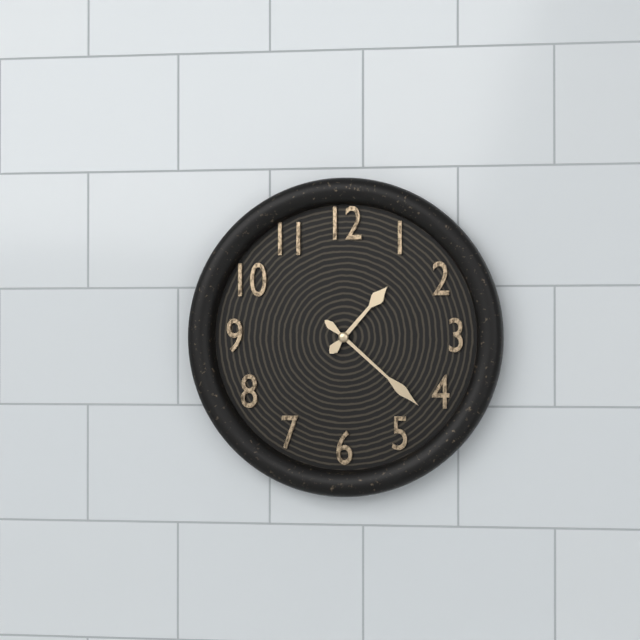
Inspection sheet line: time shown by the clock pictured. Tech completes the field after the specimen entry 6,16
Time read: 1,22
